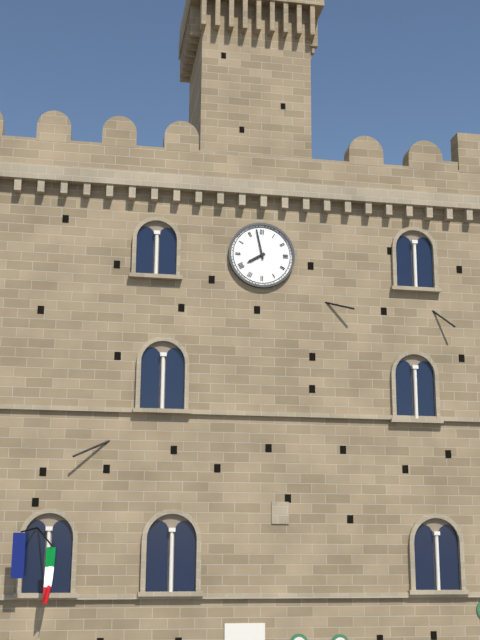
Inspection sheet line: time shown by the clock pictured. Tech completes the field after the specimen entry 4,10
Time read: 7,58
